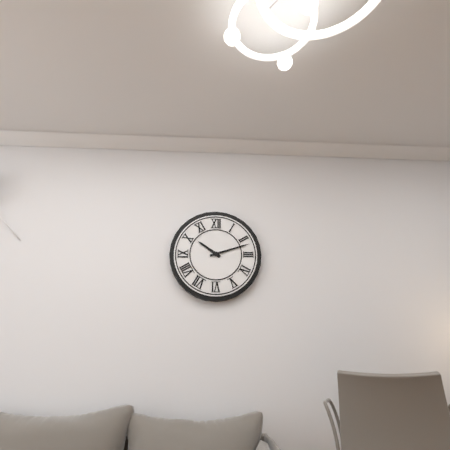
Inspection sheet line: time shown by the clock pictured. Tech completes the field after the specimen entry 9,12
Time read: 10,12
